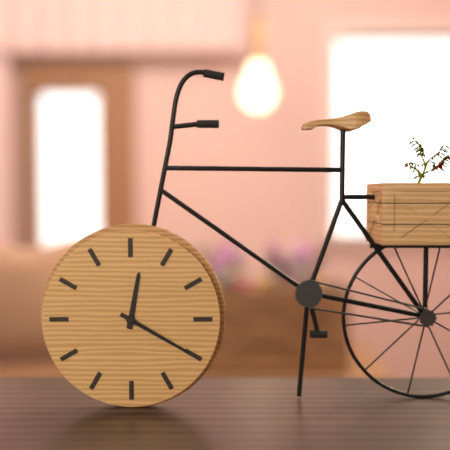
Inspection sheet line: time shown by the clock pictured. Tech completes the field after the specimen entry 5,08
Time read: 12,20
